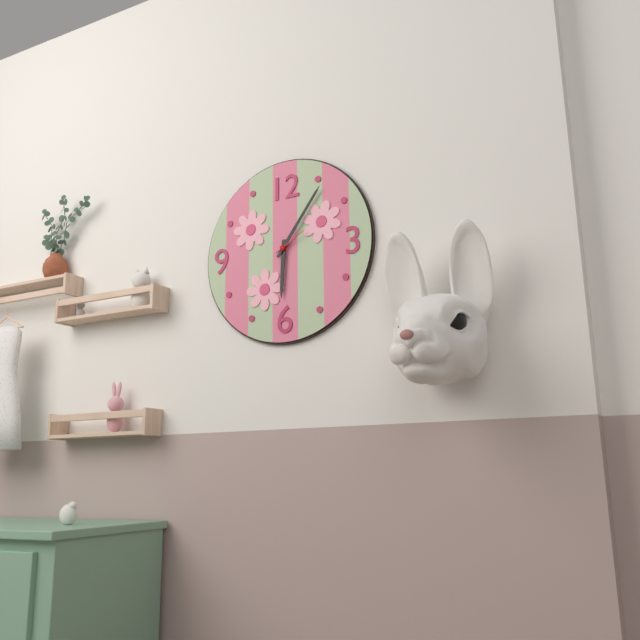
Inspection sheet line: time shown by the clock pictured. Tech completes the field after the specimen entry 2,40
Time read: 6,06
